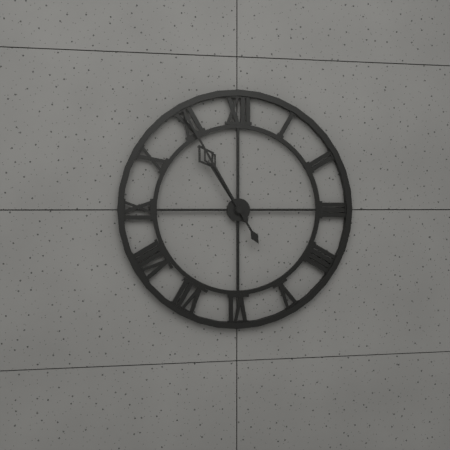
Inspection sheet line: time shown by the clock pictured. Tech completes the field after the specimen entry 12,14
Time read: 10,55
